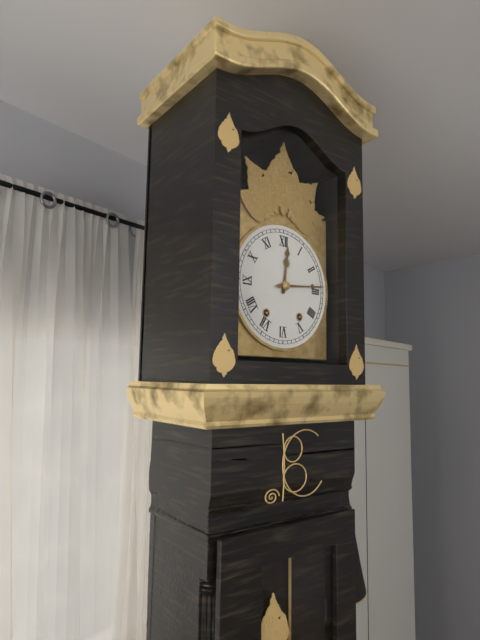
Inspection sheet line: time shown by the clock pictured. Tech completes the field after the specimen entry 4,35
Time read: 12,14
